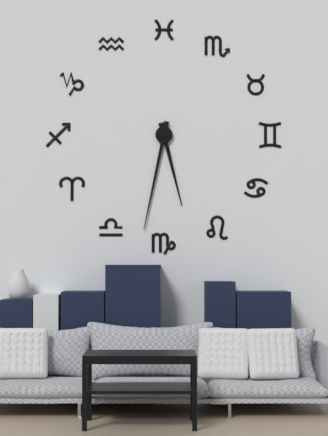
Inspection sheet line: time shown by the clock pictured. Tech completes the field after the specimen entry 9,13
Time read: 5,32
